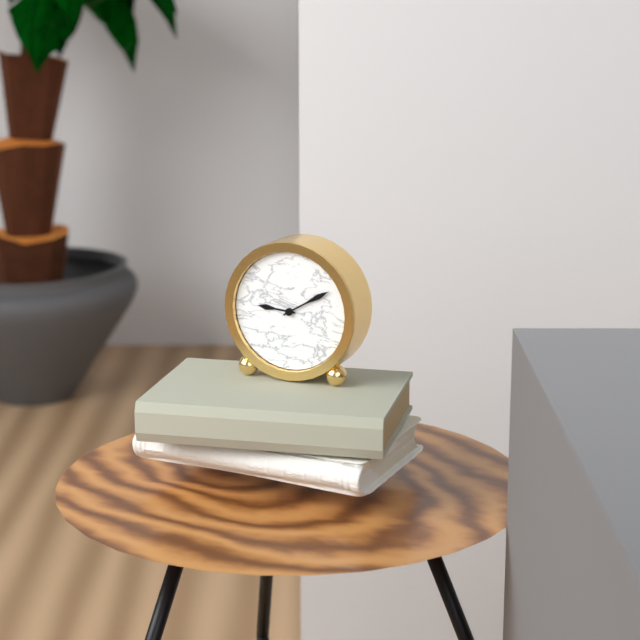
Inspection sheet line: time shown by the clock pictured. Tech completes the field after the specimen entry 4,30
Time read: 9,10
